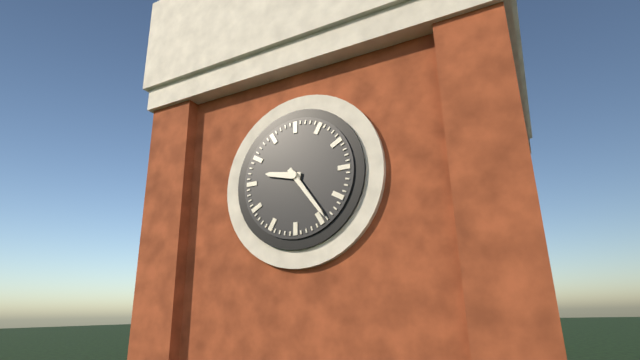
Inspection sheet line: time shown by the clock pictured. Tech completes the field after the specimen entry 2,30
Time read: 9,24
